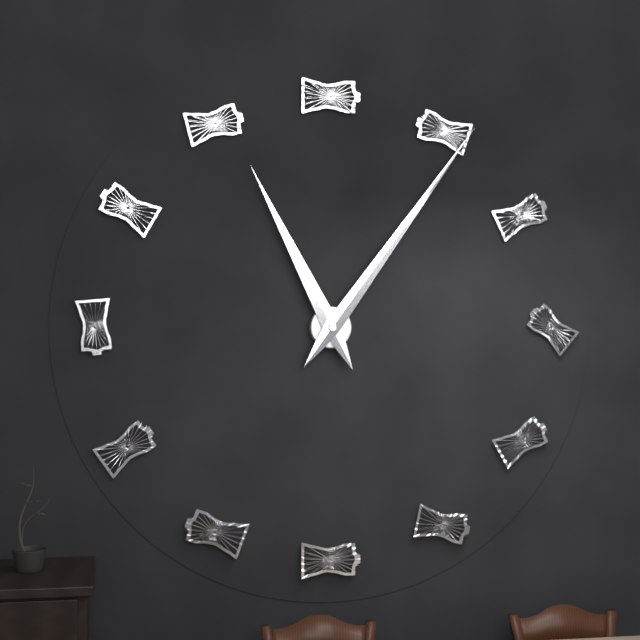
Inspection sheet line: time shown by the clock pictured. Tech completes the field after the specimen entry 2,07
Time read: 11,06
